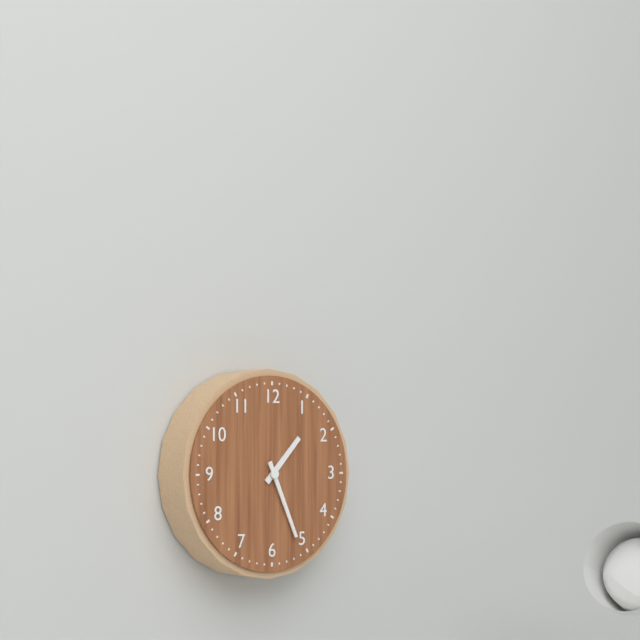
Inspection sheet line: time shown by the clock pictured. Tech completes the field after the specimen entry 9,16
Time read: 1,26
